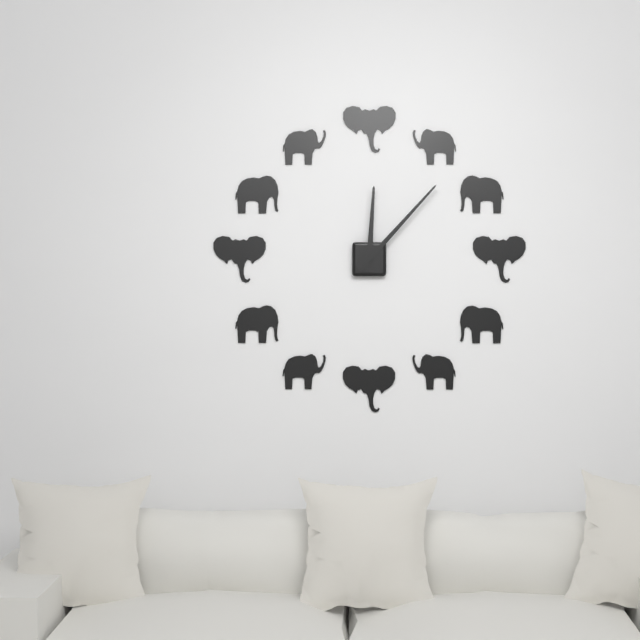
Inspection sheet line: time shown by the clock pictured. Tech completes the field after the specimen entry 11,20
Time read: 12,07
